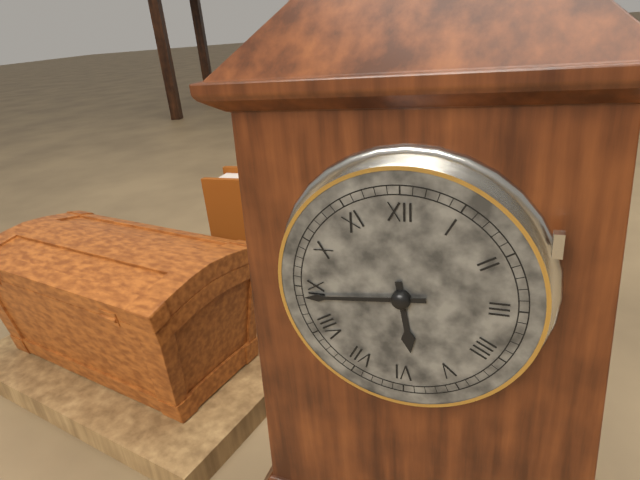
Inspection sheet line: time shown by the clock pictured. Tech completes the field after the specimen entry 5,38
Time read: 5,44
